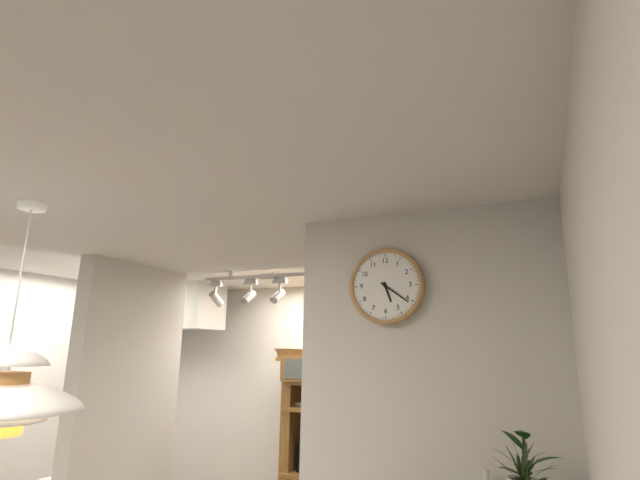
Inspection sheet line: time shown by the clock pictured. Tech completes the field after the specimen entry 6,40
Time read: 5,21
